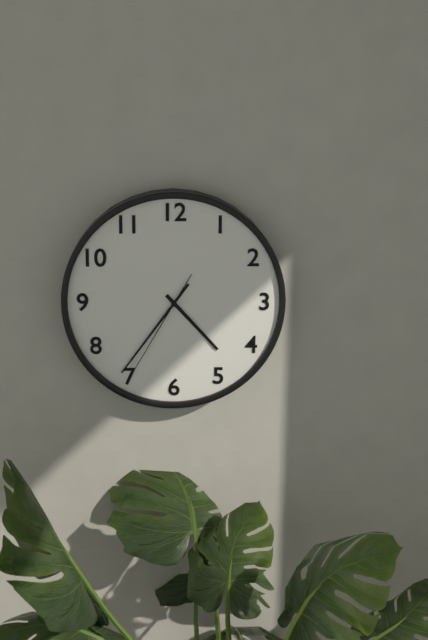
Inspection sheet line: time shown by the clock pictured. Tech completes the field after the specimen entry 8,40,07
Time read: 4,36,35
